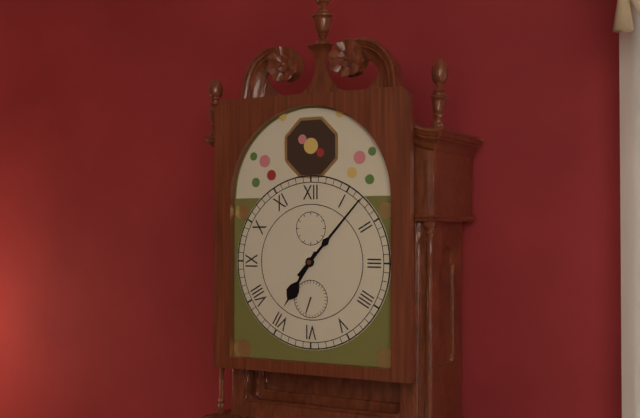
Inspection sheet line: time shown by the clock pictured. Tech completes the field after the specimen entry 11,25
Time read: 7,07
